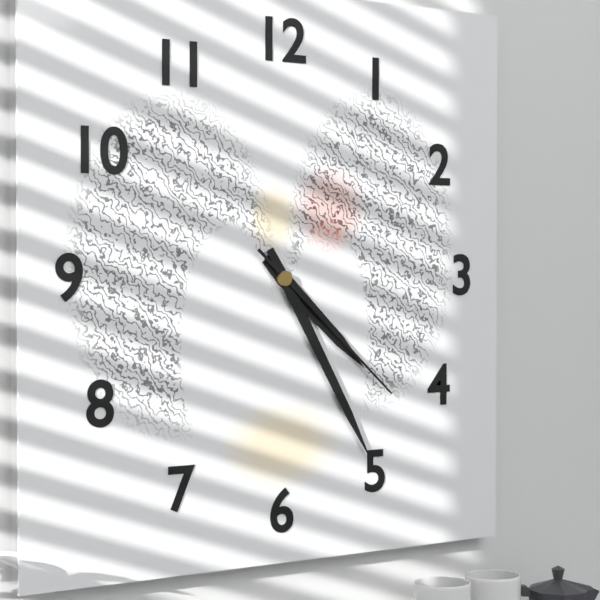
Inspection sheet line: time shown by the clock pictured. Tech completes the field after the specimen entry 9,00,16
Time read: 4,25,22
